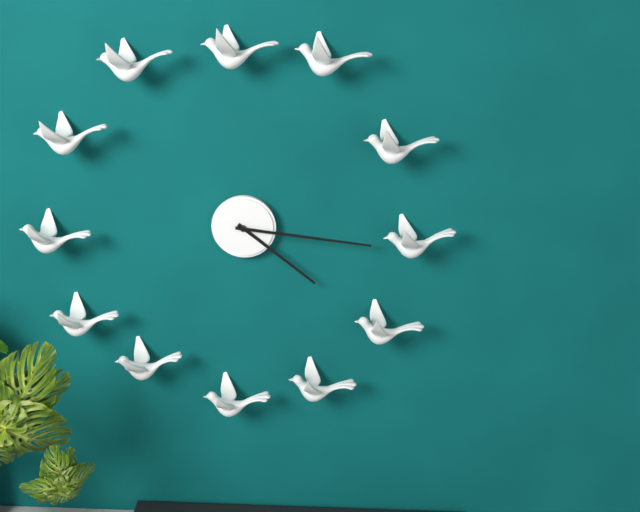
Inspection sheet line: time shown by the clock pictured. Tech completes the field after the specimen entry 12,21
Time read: 4,16
